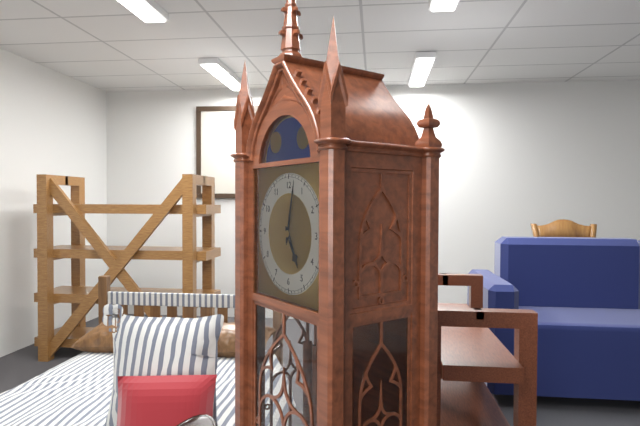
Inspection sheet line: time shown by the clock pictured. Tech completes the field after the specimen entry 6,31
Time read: 5,02
